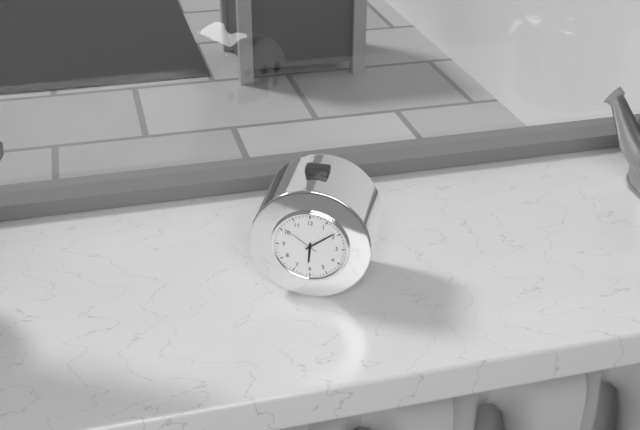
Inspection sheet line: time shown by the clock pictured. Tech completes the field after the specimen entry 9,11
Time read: 6,09
